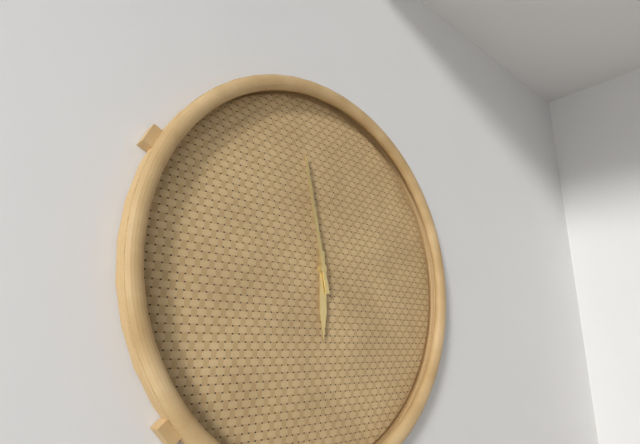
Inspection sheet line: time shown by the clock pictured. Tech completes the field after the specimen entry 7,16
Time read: 5,58
